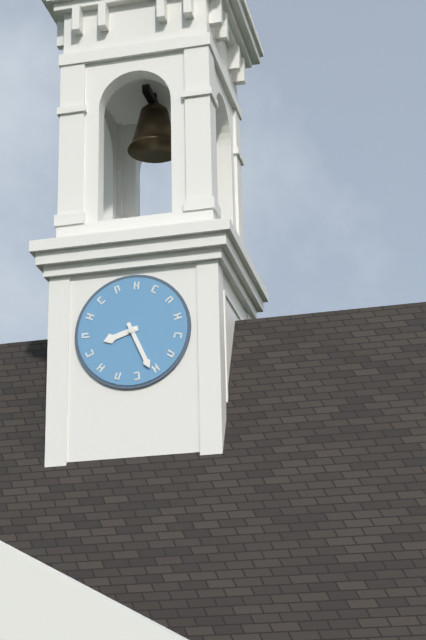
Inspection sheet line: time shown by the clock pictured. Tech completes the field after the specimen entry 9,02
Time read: 8,26
